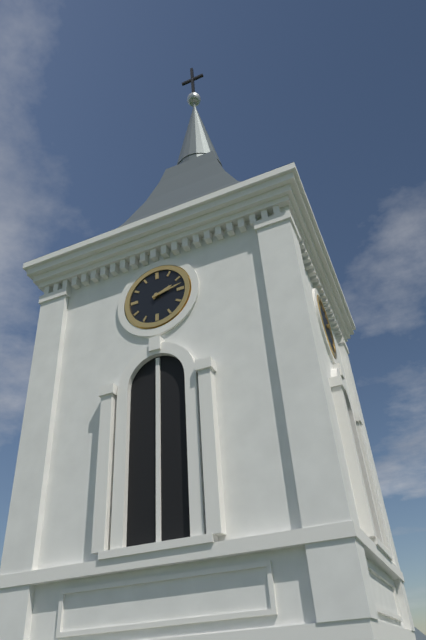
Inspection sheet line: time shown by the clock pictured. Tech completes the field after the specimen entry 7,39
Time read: 2,13
